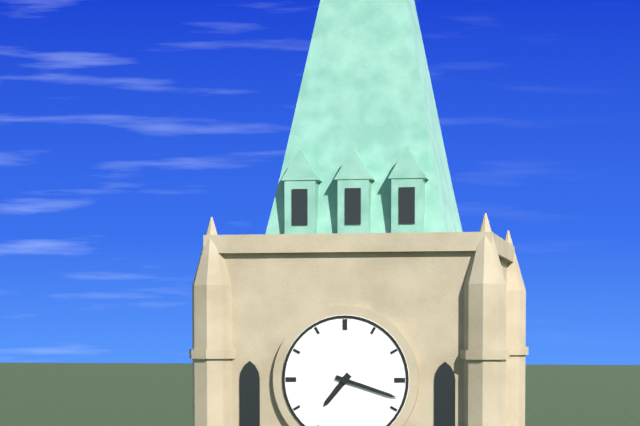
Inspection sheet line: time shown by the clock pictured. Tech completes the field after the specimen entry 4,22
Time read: 7,18
